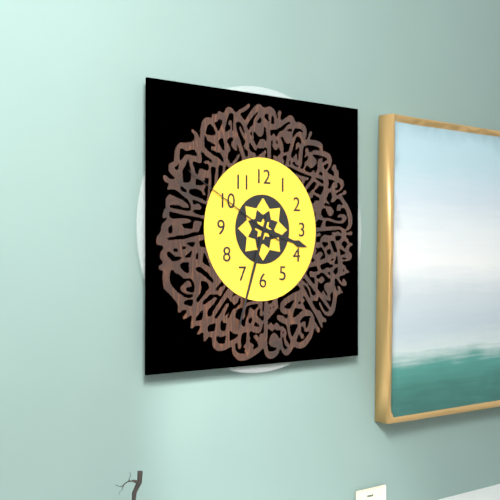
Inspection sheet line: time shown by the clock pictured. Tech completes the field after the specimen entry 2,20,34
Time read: 3,33,50
